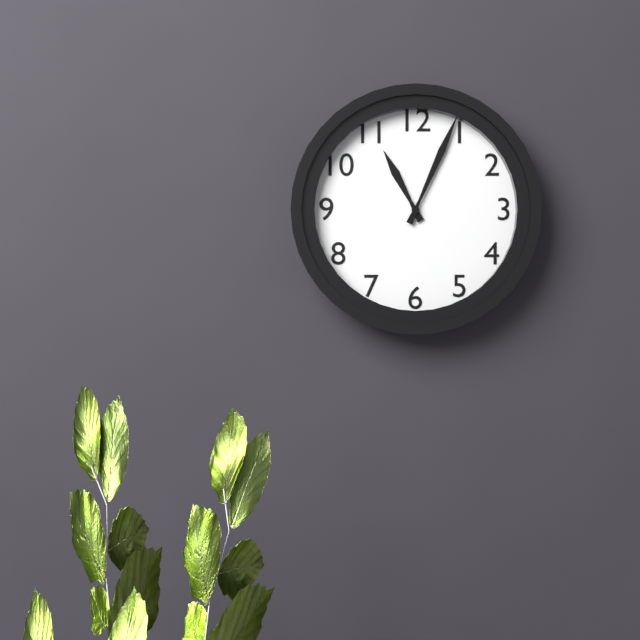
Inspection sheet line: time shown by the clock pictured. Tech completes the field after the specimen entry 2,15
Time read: 11,04
